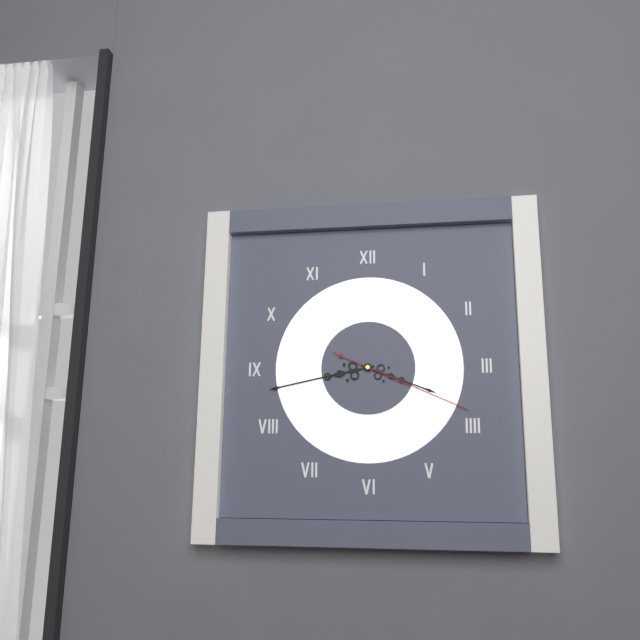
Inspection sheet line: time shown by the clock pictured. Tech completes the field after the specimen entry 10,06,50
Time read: 3,43,19
